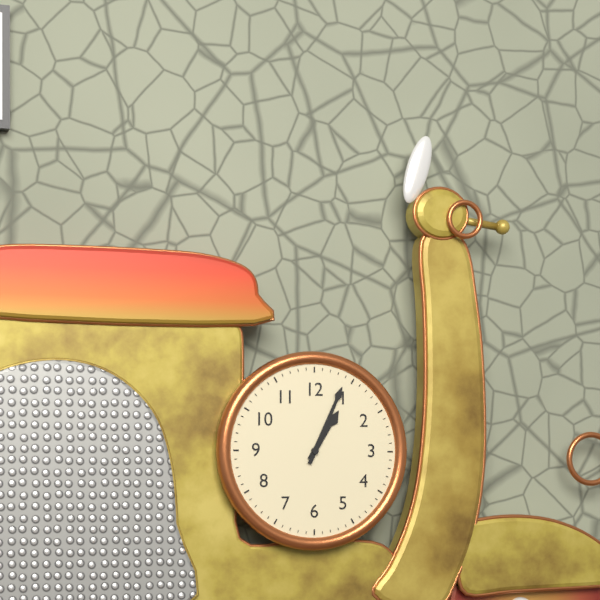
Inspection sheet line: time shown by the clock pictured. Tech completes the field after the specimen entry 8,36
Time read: 1,04
